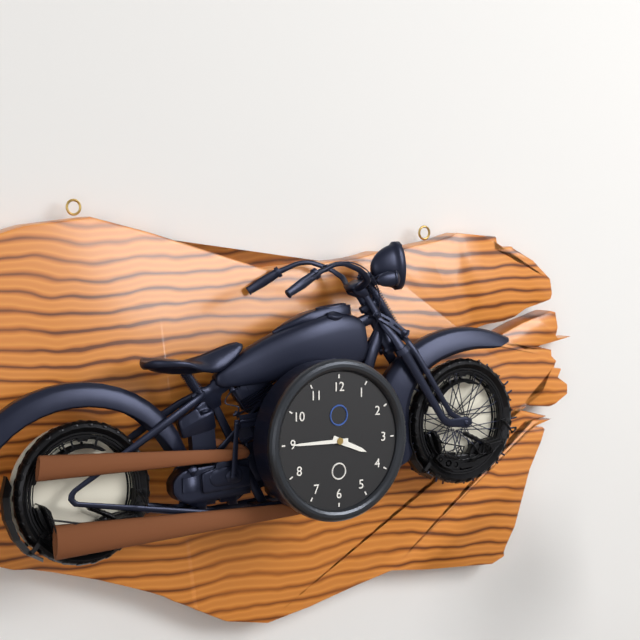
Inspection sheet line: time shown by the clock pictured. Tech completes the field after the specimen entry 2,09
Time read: 3,45
